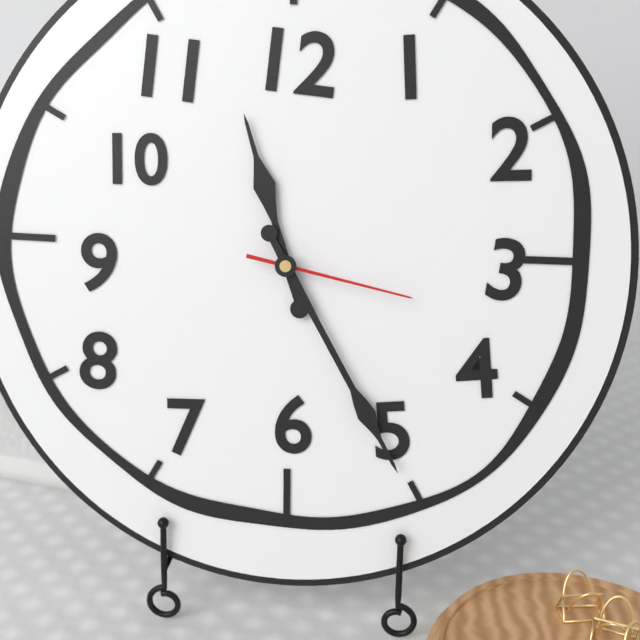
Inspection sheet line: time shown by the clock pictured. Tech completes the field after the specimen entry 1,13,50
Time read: 11,25,17
